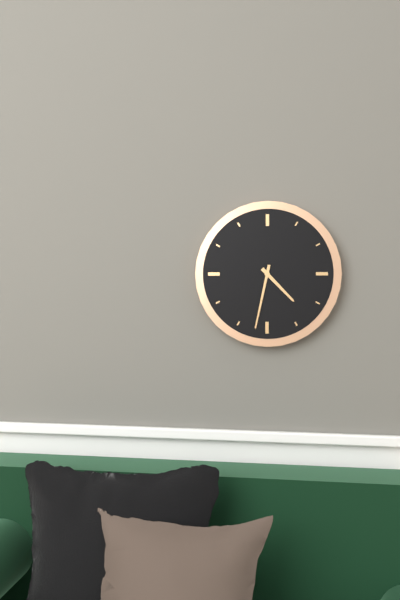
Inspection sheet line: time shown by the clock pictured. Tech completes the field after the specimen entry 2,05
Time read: 4,32
